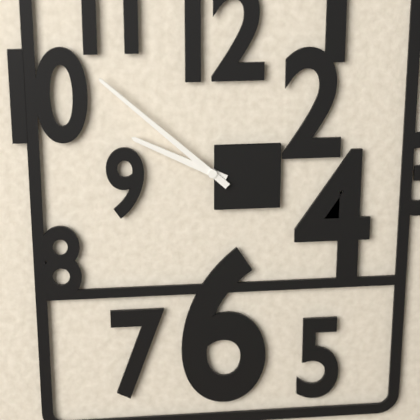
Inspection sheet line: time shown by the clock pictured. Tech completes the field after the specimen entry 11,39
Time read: 9,52
